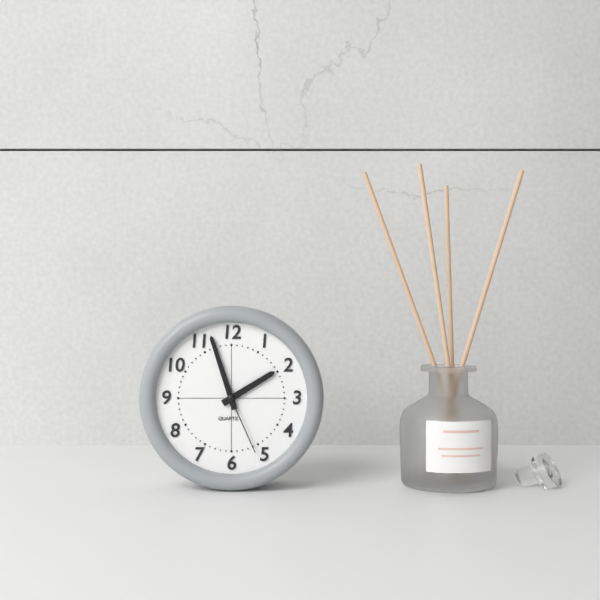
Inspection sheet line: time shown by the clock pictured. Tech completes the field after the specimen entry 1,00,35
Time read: 1,57,26
